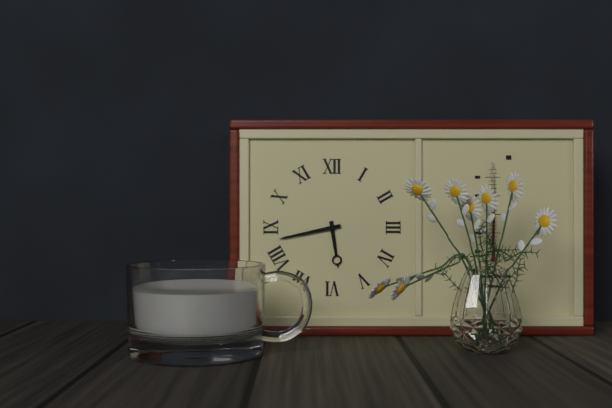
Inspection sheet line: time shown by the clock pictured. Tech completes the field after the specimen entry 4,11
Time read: 5,43
